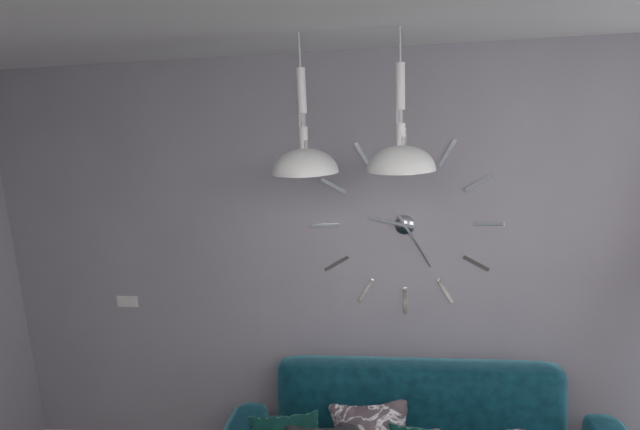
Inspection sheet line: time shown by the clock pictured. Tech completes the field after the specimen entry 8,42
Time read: 9,25
